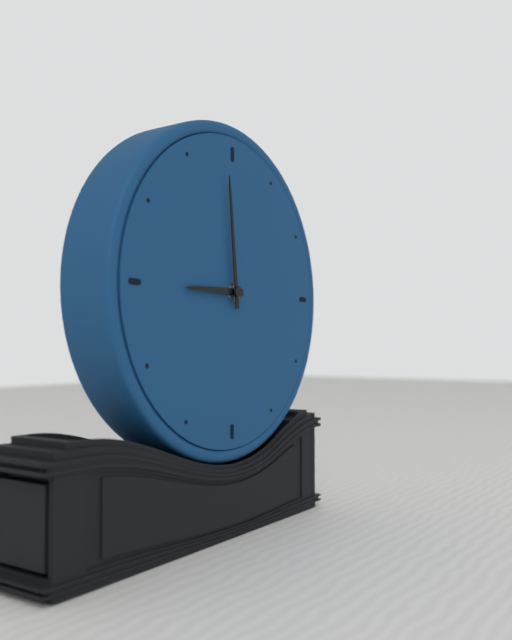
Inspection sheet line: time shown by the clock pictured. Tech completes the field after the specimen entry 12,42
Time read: 8,59
